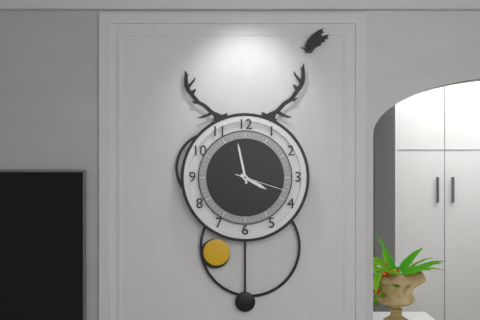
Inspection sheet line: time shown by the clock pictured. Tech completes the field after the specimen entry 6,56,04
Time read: 3,58,18
